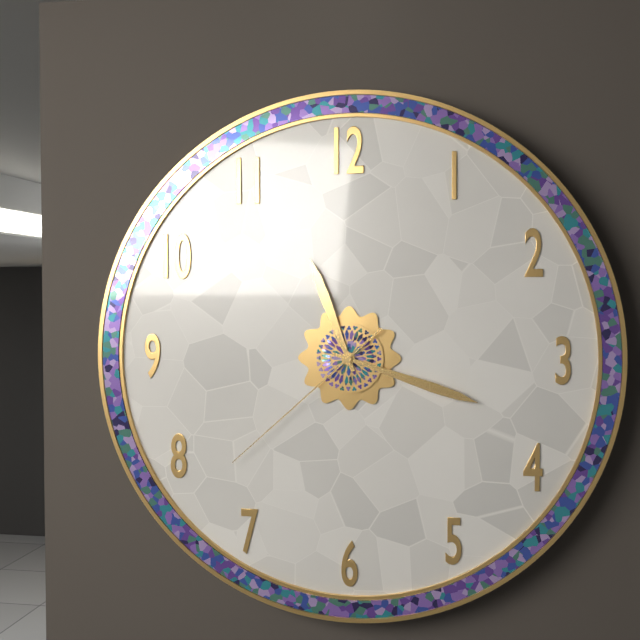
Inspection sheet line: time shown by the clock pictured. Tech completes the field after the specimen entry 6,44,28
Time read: 11,18,38
